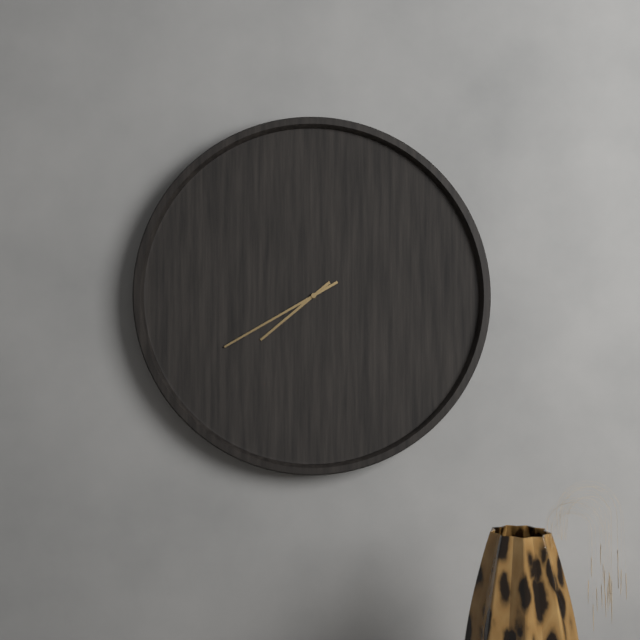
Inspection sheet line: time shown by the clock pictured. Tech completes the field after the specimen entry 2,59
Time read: 7,40
